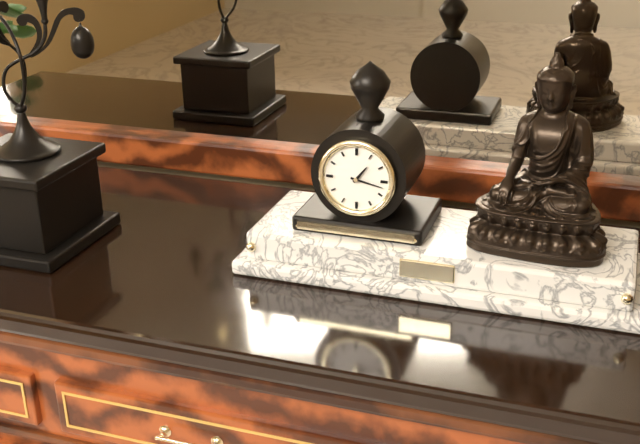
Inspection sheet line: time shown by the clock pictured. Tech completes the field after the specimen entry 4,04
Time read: 1,17
